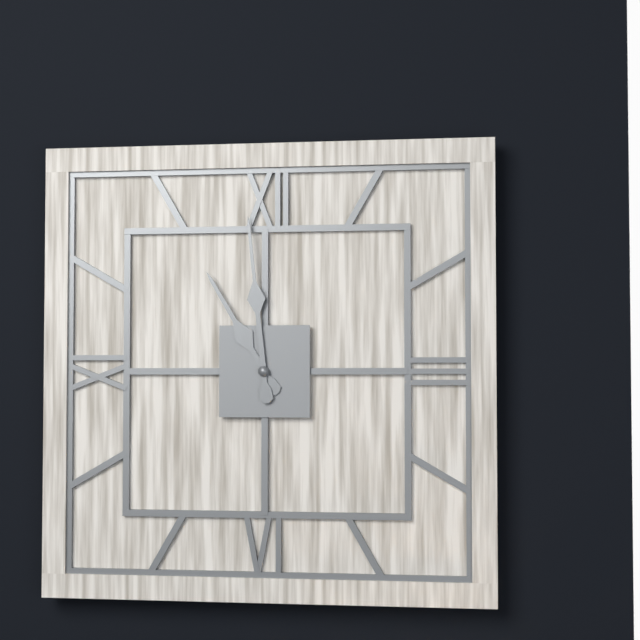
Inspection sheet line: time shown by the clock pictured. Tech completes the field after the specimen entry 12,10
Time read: 10,59
